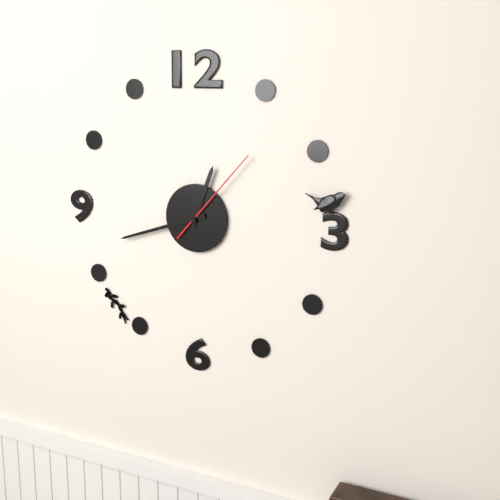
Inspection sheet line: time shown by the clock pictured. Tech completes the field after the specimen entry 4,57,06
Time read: 12,42,07
